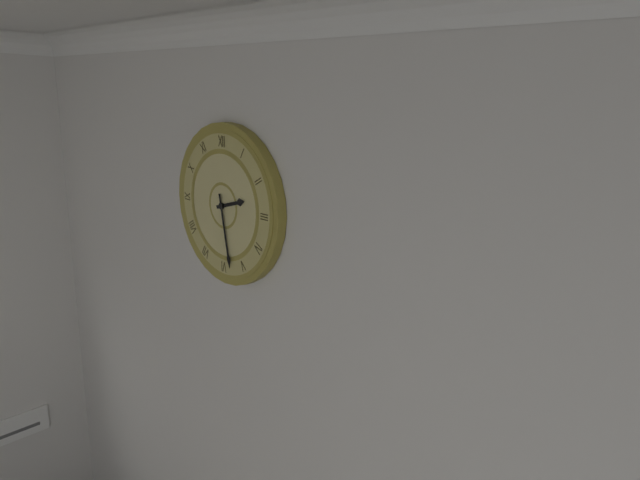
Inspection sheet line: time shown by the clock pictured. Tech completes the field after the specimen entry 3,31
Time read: 2,28
